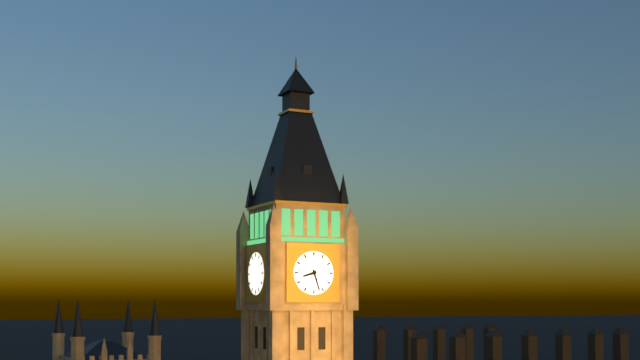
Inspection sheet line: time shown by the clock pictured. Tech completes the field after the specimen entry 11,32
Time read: 8,27
